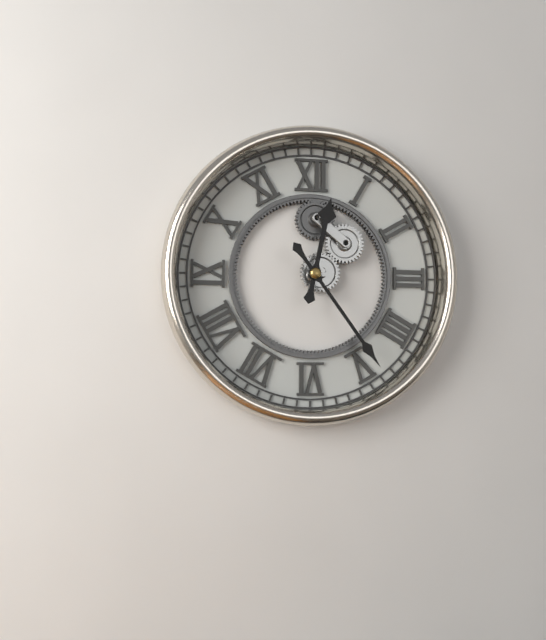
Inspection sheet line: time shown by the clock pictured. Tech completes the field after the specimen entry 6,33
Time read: 12,24
